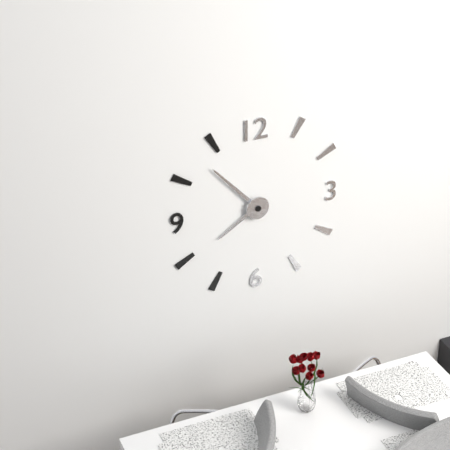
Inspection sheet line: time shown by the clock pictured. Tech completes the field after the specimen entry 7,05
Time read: 7,53
